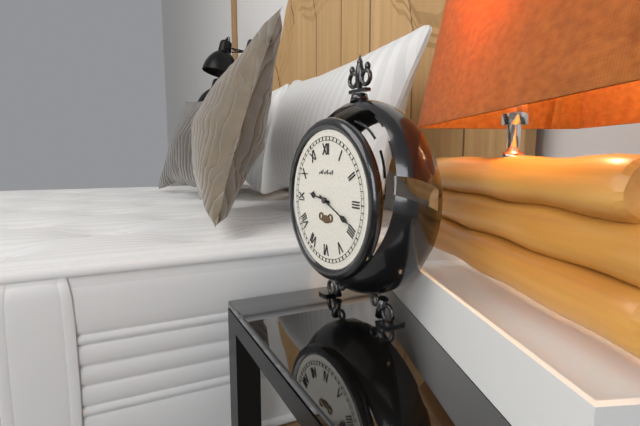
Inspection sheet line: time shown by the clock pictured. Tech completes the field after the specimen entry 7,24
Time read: 9,19
